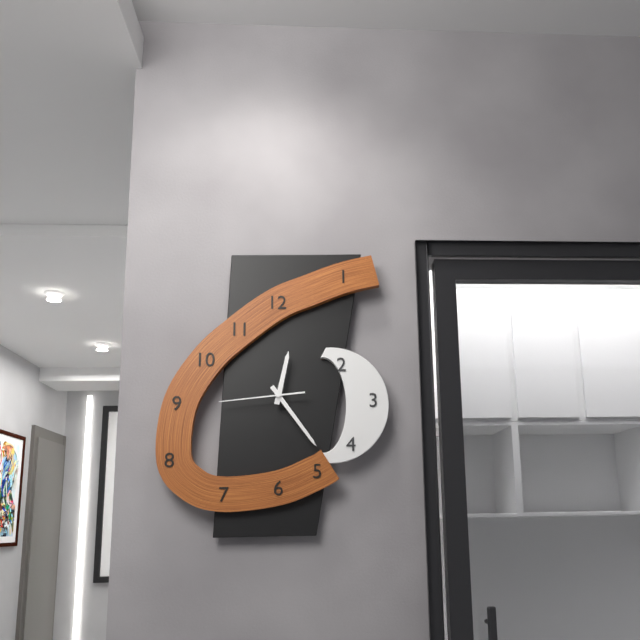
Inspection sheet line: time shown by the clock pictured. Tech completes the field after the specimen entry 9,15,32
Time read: 12,24,44
